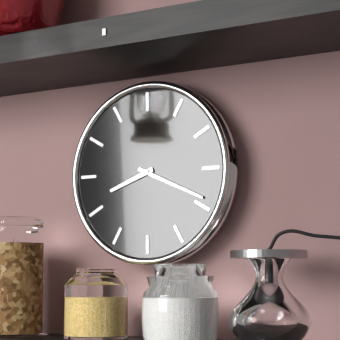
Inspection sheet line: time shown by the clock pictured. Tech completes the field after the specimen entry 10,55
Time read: 8,19
